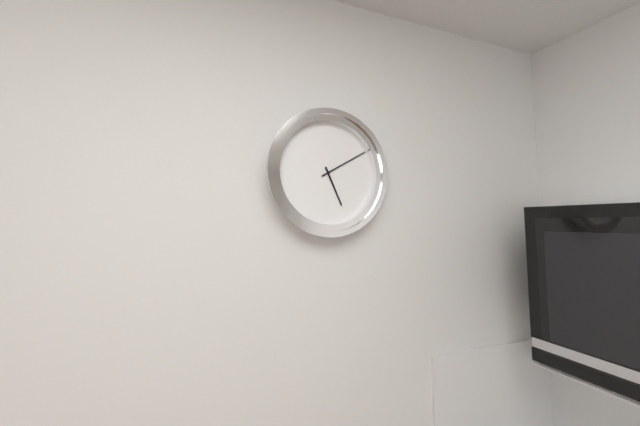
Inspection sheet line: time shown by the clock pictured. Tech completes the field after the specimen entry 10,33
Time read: 5,10
